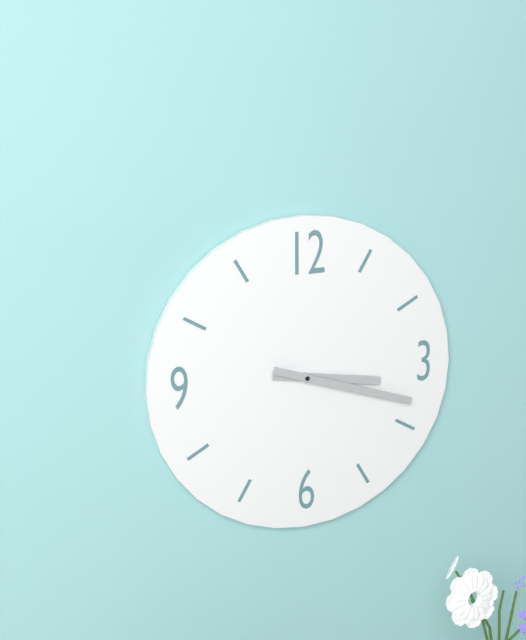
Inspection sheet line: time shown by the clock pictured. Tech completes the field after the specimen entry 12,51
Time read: 3,18
